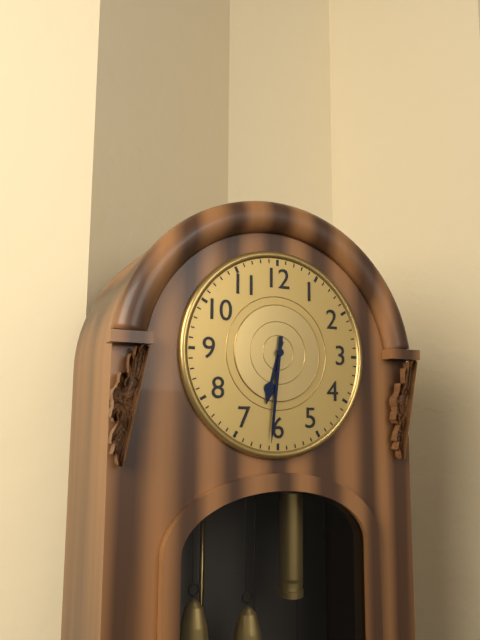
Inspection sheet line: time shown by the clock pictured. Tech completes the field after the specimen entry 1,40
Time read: 6,31
